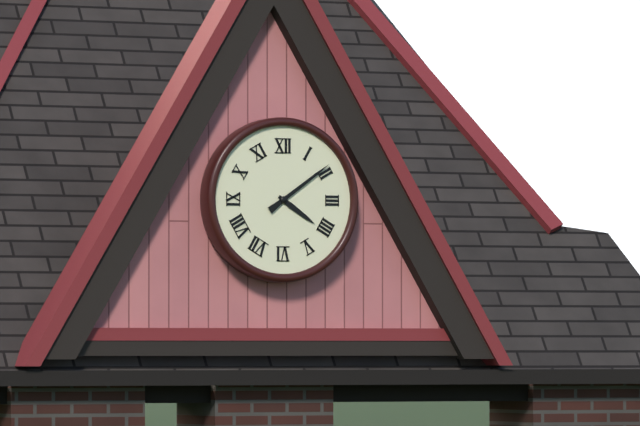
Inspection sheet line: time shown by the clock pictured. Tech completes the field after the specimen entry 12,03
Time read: 4,09
